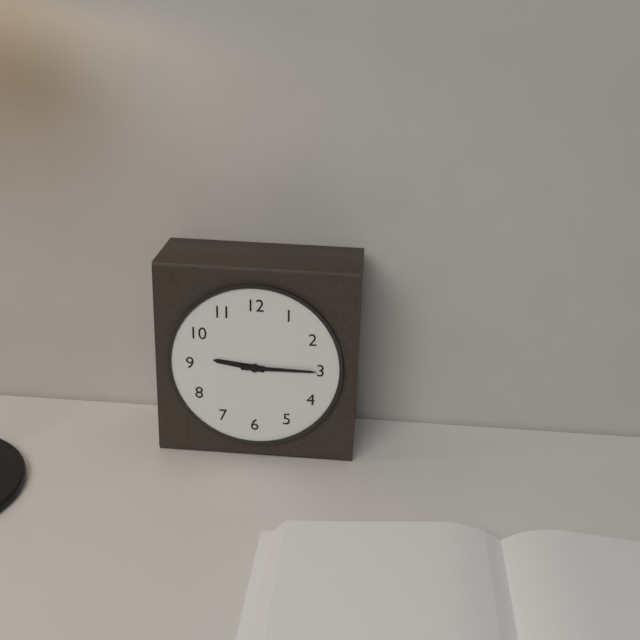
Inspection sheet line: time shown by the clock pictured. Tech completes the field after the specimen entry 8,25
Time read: 9,15
